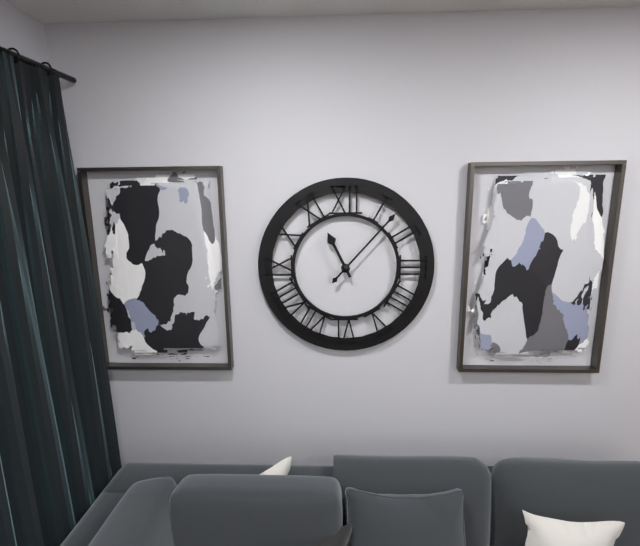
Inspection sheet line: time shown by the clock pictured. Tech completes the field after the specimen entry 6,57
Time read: 11,07
